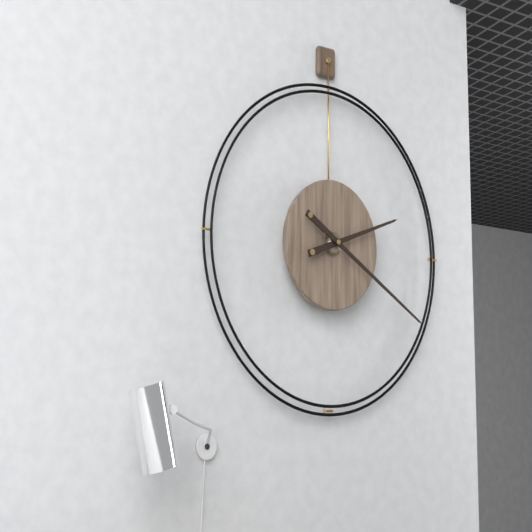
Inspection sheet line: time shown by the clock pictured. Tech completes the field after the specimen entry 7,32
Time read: 2,20
